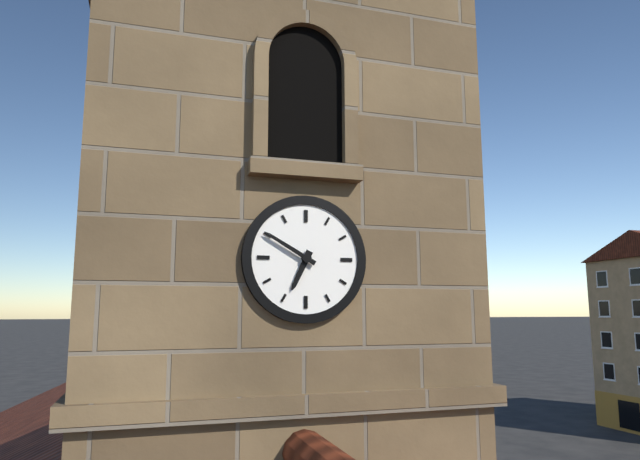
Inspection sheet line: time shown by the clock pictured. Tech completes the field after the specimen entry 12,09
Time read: 6,50
